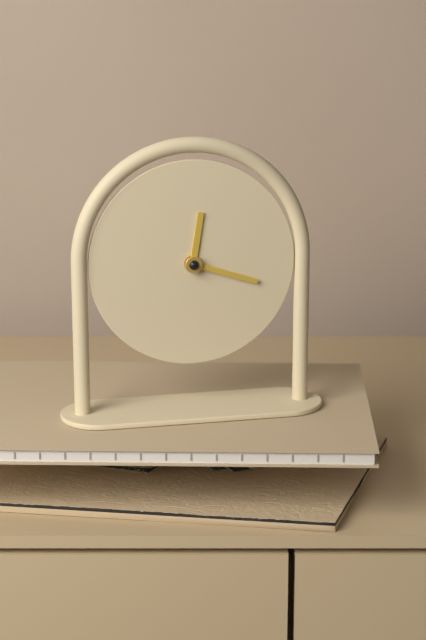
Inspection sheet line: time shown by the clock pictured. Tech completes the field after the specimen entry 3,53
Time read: 12,18
